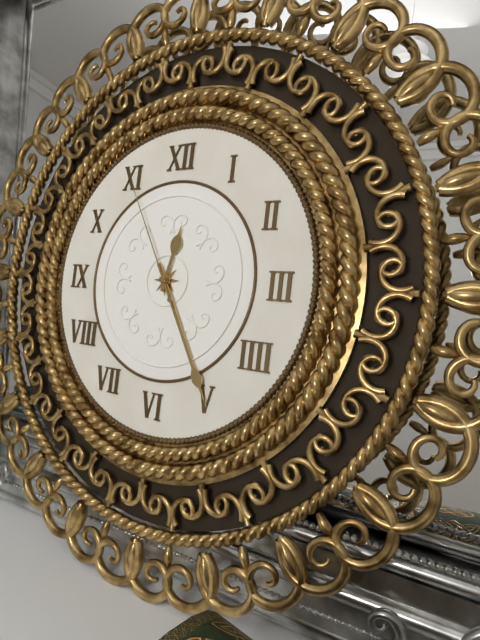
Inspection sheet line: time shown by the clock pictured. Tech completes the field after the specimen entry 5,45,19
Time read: 12,25,55
